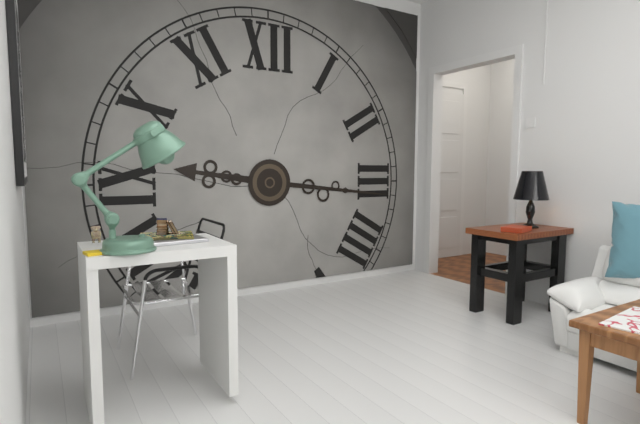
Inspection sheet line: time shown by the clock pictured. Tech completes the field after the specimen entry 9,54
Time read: 9,16
